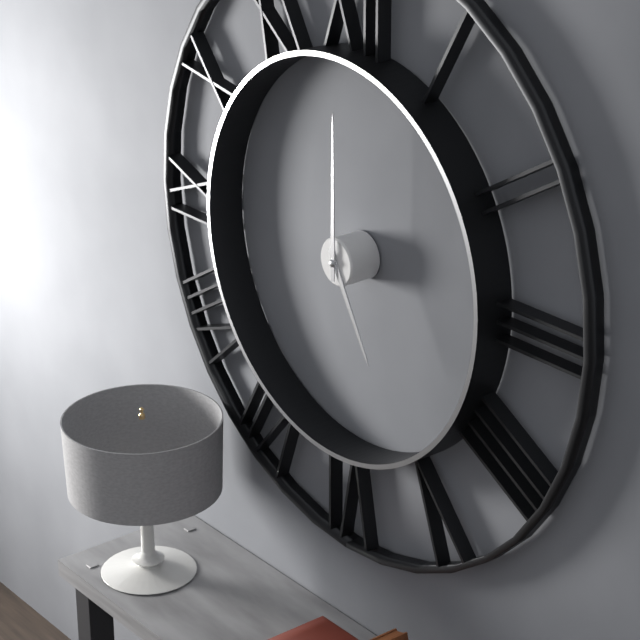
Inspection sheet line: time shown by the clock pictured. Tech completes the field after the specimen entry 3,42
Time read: 5,00
